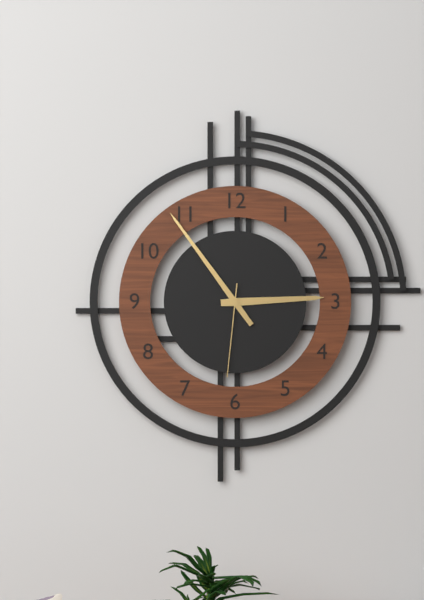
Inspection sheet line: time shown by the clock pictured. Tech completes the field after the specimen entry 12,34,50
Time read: 2,54,31
